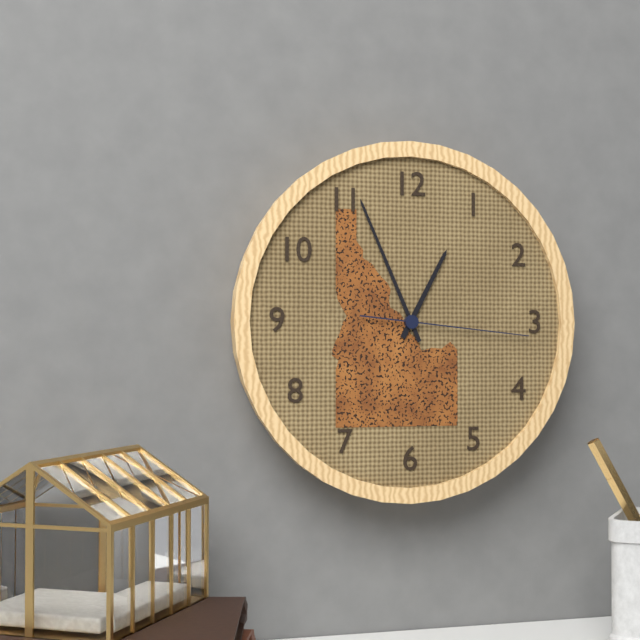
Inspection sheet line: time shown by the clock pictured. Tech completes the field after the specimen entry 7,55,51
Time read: 12,56,16
